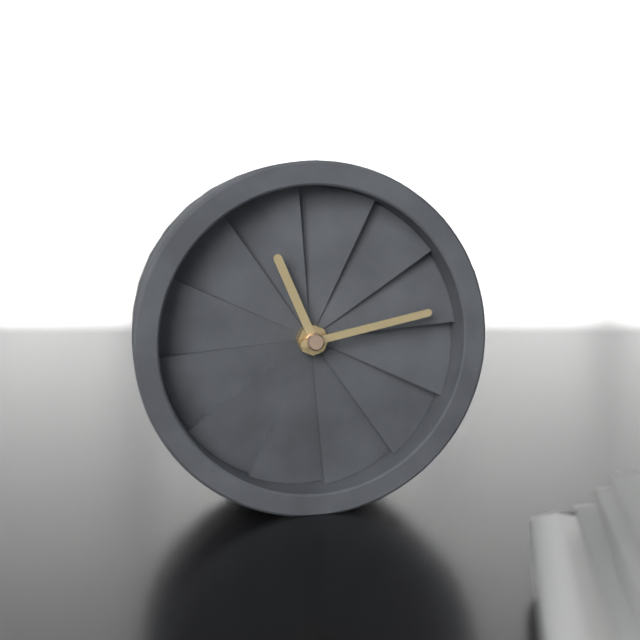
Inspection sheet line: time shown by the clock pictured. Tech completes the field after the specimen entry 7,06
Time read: 11,13
